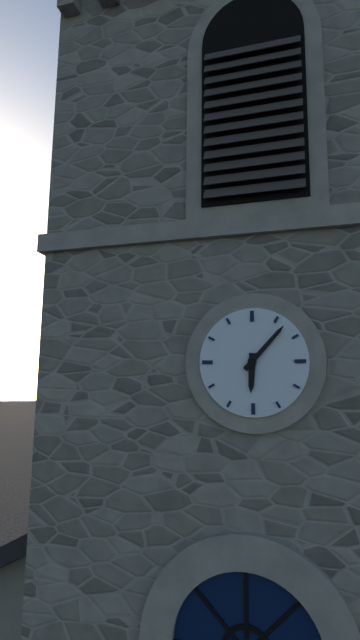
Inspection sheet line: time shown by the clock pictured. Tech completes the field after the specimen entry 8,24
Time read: 6,07
